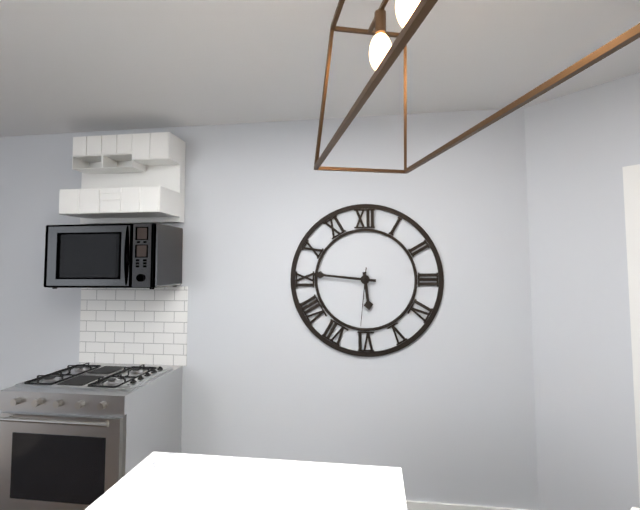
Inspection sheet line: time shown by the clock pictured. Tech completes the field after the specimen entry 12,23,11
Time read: 5,46,31
